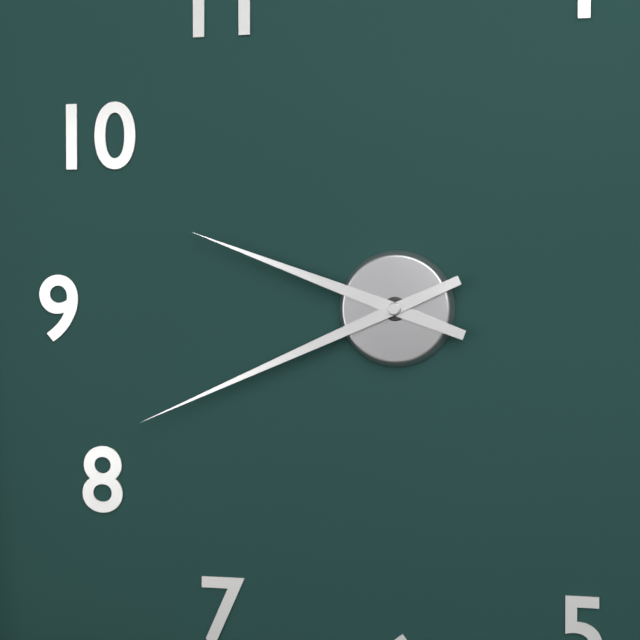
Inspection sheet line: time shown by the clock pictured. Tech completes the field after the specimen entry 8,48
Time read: 9,41
